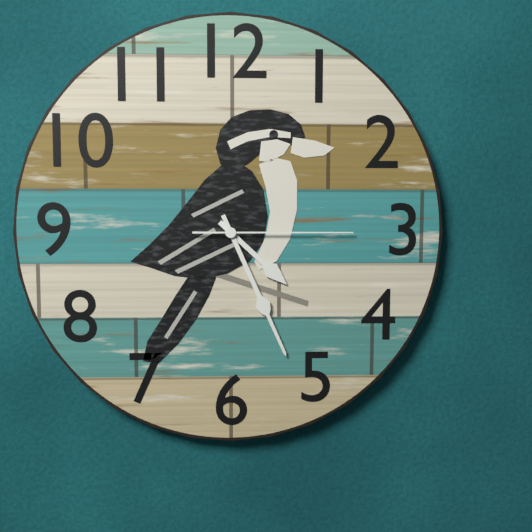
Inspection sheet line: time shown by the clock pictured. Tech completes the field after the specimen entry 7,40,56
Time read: 4,26,15
